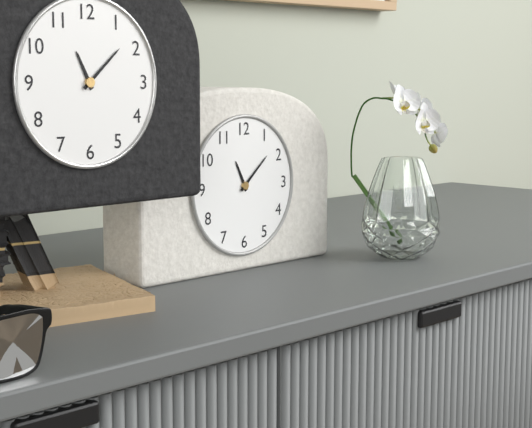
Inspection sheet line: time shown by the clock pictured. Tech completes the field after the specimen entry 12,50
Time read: 11,08
